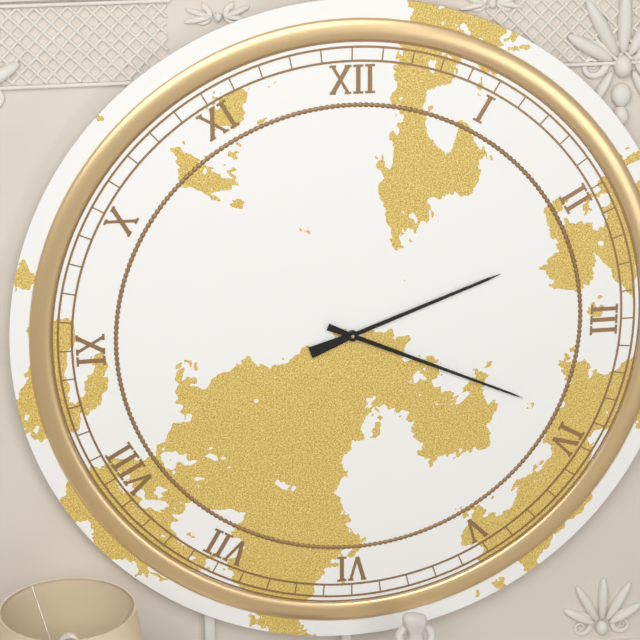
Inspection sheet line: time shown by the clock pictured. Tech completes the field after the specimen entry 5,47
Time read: 2,19
